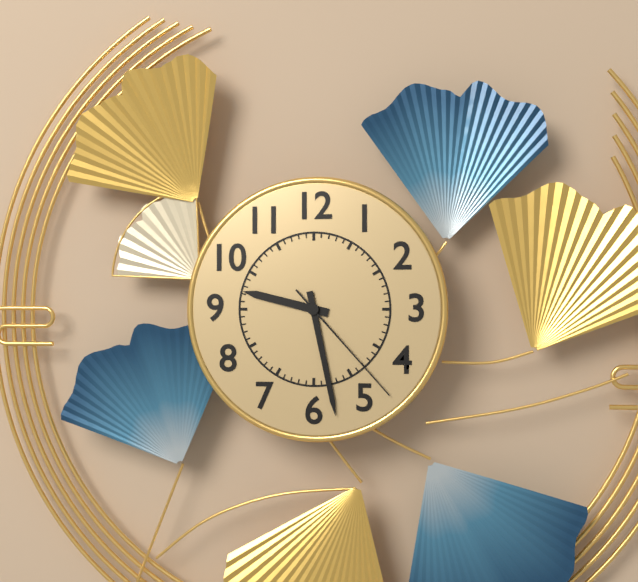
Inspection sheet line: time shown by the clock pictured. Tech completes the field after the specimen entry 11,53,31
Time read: 9,28,23
